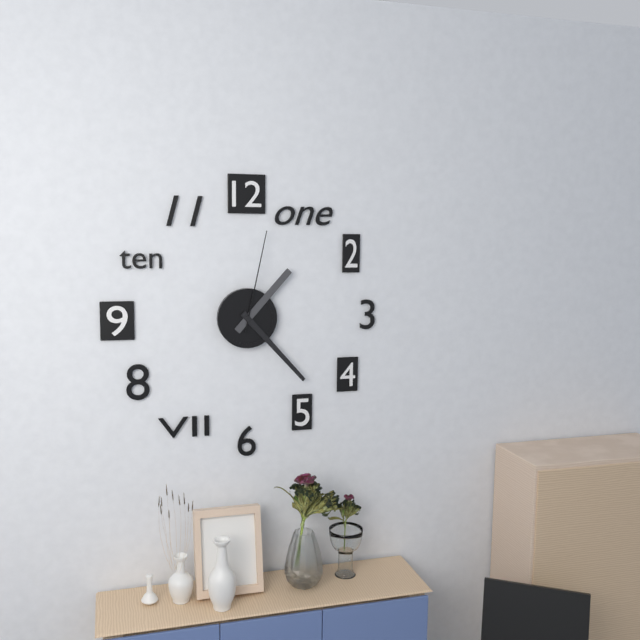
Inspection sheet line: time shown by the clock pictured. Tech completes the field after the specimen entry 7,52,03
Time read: 1,23,02
